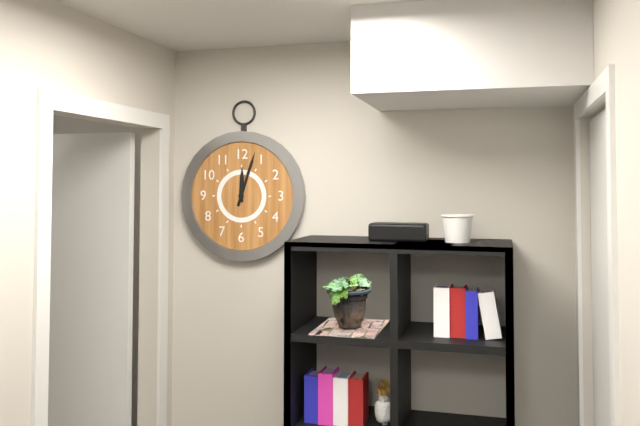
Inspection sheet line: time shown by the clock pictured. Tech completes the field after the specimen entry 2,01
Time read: 12,03
